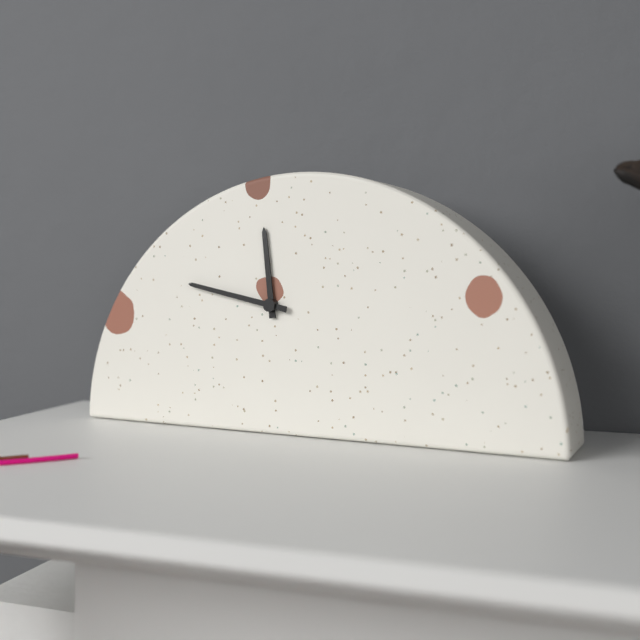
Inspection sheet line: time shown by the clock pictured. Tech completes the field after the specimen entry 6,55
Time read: 11,47
